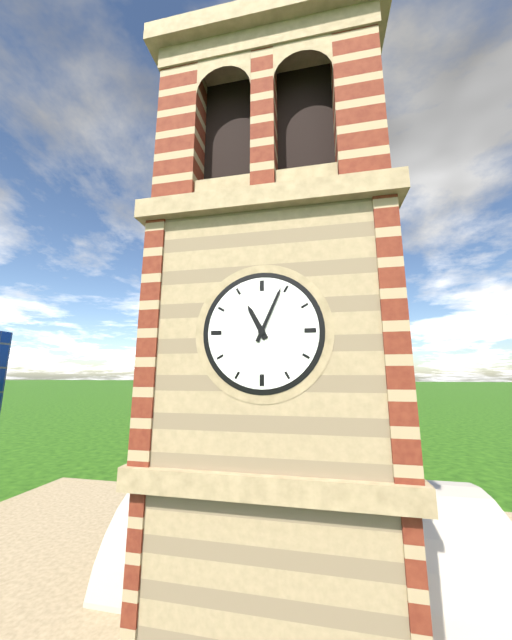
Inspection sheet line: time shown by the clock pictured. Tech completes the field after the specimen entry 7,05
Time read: 11,04
